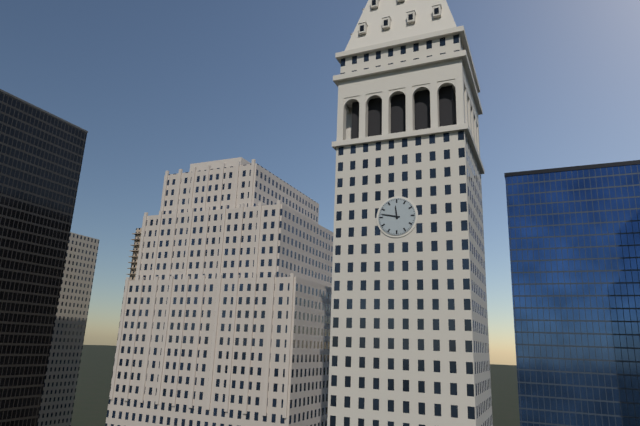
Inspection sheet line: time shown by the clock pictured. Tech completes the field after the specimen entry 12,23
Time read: 11,47
